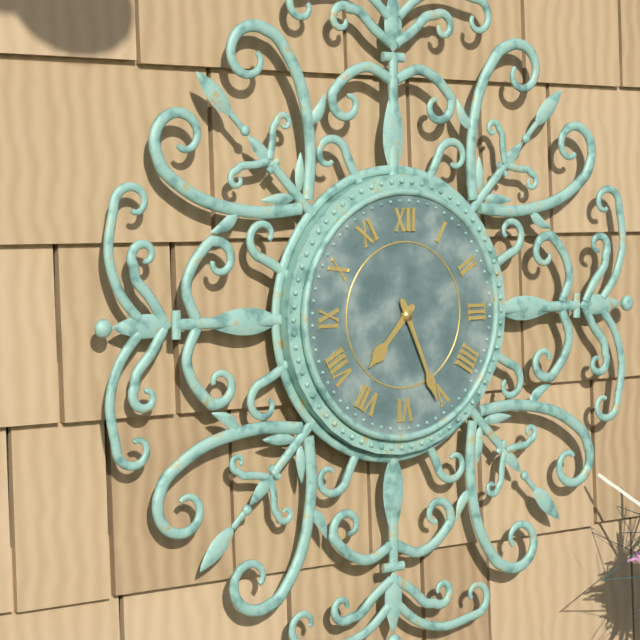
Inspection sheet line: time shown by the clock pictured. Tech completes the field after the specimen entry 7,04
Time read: 7,26
